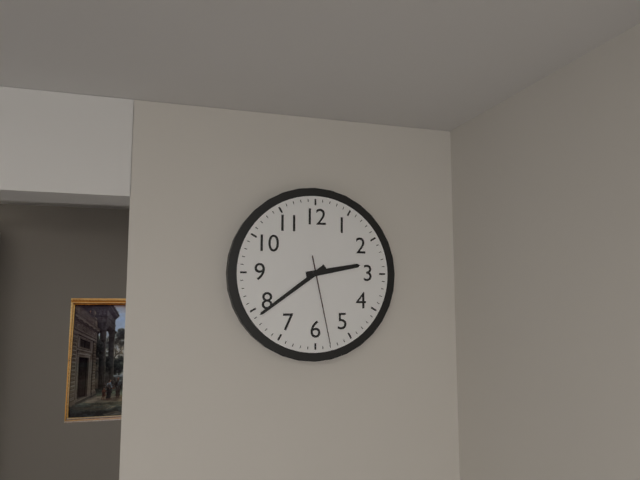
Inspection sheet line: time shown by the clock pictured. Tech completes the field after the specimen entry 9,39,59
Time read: 2,39,28
